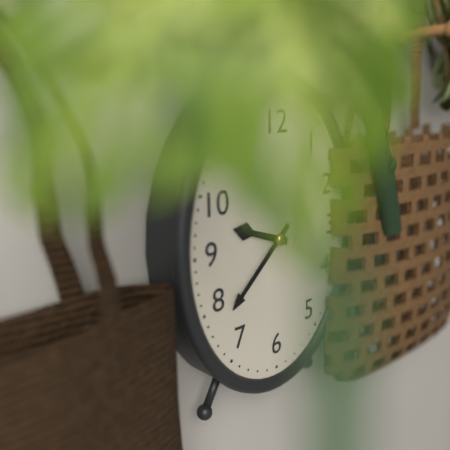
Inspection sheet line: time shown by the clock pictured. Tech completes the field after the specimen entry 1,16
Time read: 9,38
